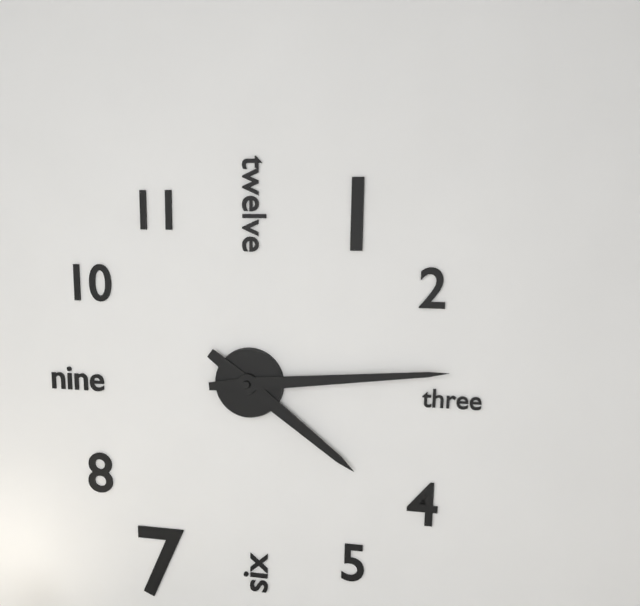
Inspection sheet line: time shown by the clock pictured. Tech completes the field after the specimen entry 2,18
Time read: 4,14
